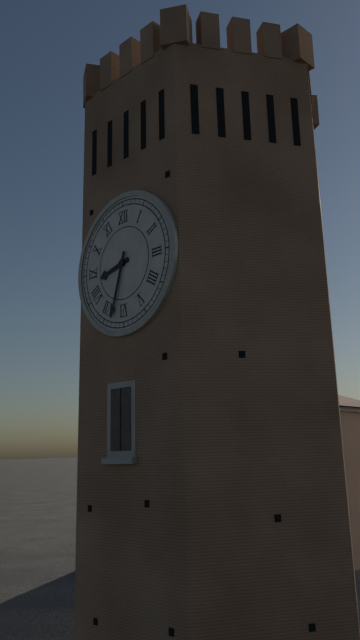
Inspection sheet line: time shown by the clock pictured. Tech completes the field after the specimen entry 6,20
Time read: 8,33
